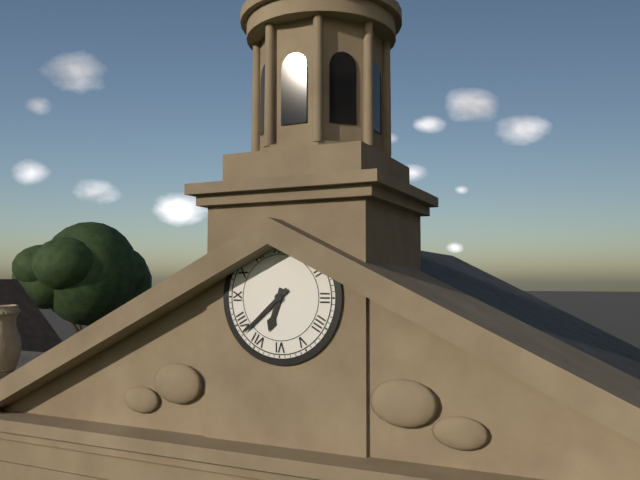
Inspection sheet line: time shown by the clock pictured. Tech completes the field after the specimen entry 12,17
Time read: 6,38
